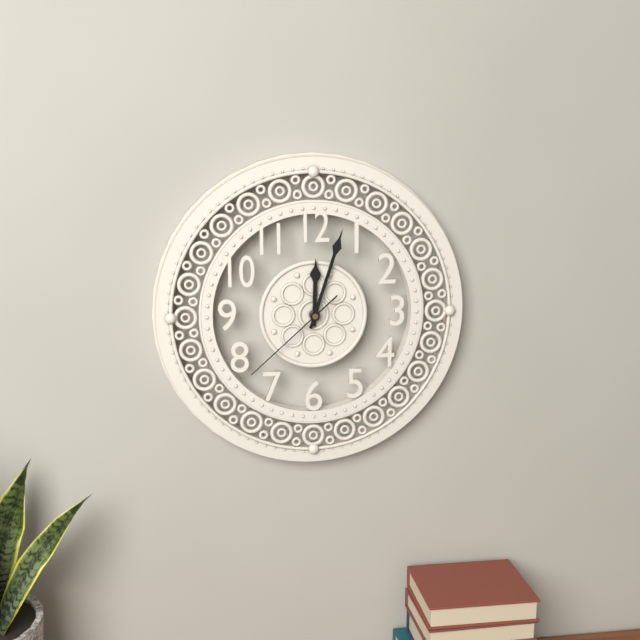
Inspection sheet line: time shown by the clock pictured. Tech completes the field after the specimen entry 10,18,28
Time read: 12,03,38
